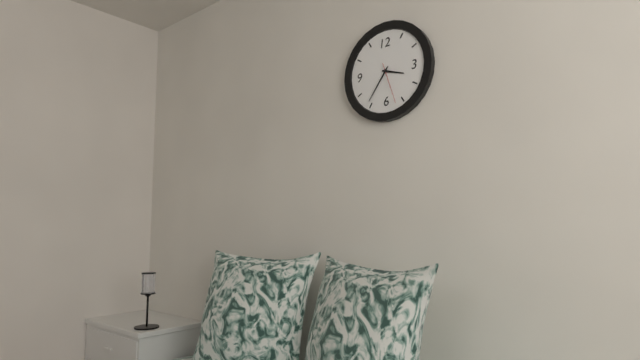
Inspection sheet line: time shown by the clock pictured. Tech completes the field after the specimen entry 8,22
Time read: 3,36
